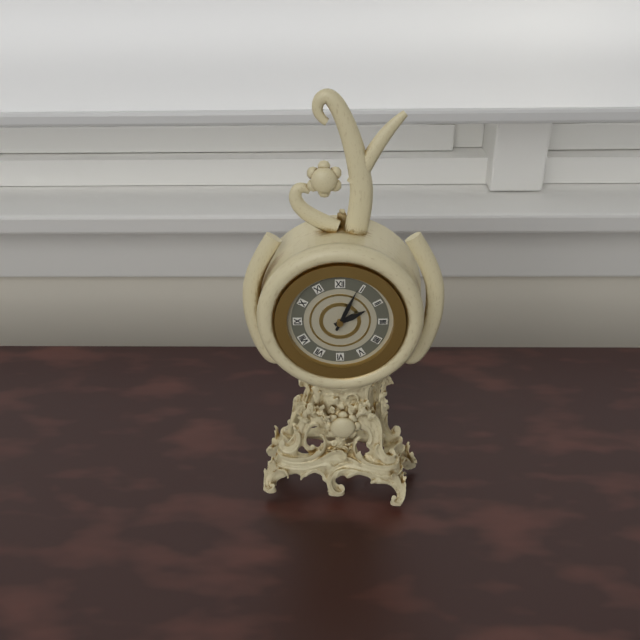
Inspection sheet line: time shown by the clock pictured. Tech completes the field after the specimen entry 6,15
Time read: 2,04
